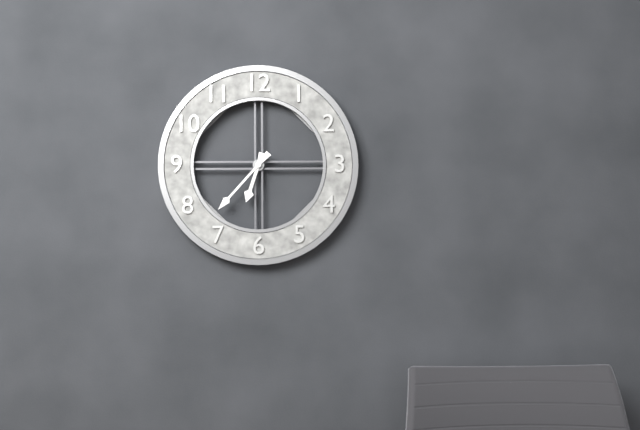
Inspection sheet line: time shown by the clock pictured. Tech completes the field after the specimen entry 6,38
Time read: 6,37
